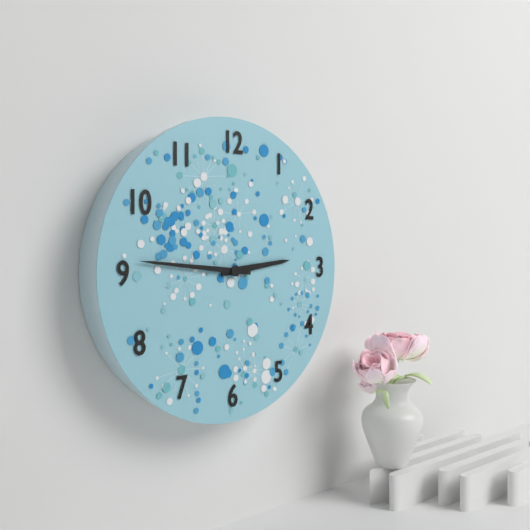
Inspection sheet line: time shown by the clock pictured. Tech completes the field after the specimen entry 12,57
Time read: 2,46
